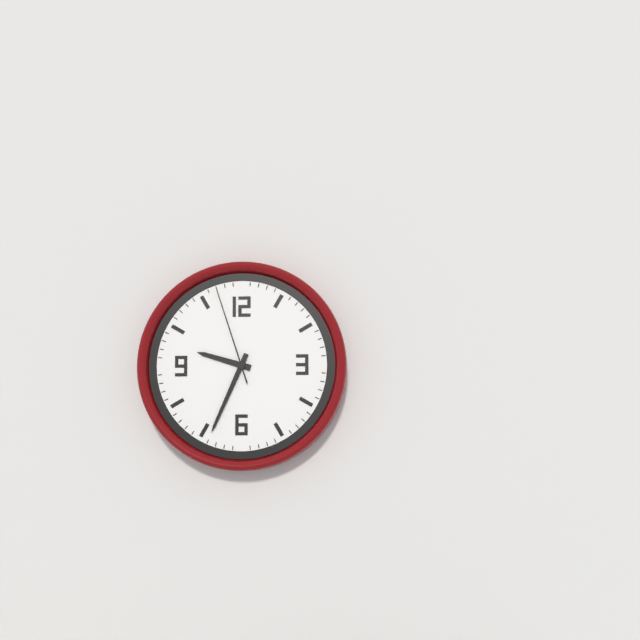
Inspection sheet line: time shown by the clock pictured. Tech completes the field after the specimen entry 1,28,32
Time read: 9,34,57
